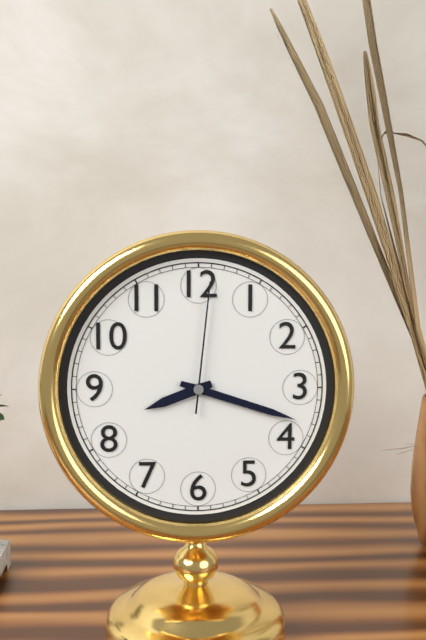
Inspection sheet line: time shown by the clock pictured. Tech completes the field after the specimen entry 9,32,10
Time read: 8,18,01
